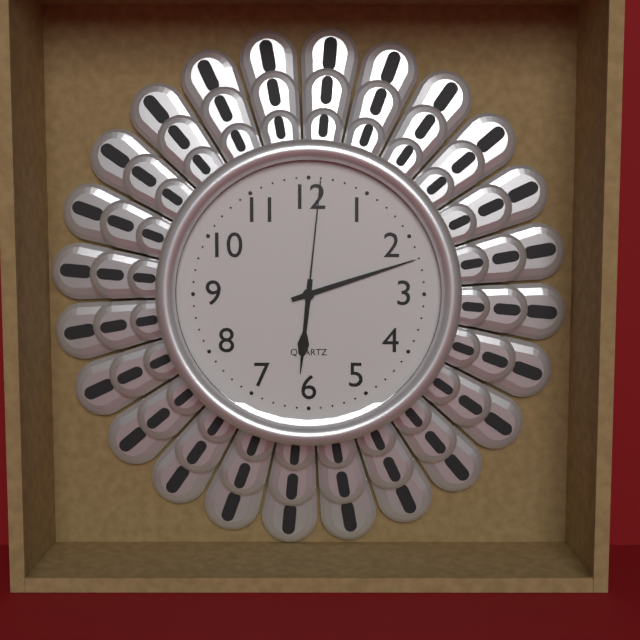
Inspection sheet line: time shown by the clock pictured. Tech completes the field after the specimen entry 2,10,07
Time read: 6,12,01
